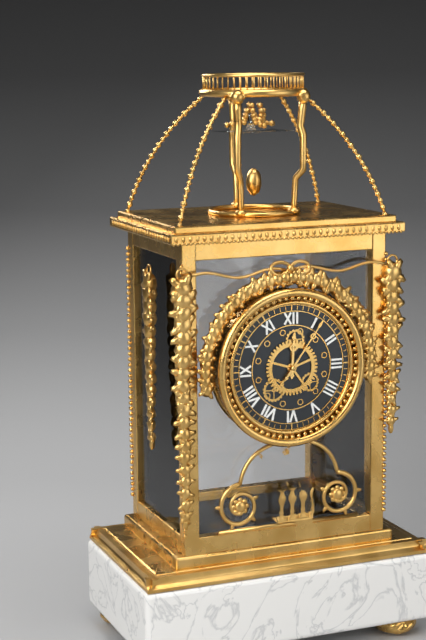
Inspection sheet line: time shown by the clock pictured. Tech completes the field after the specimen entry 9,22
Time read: 12,06
